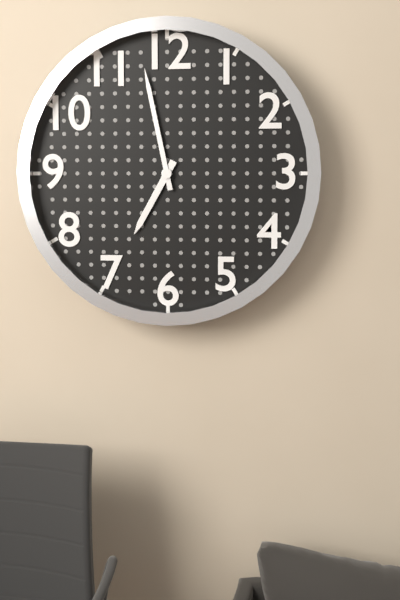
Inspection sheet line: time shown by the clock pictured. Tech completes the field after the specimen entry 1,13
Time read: 6,58
